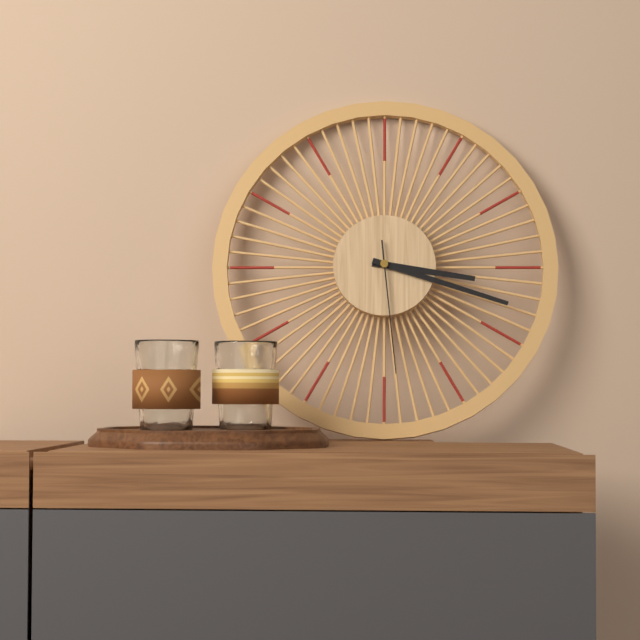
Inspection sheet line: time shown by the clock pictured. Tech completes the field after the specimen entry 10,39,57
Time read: 3,18,29
